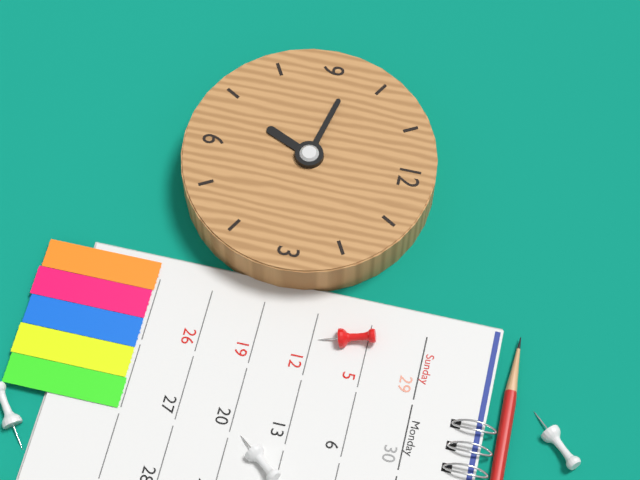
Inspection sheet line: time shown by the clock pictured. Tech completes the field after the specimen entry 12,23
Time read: 6,47
